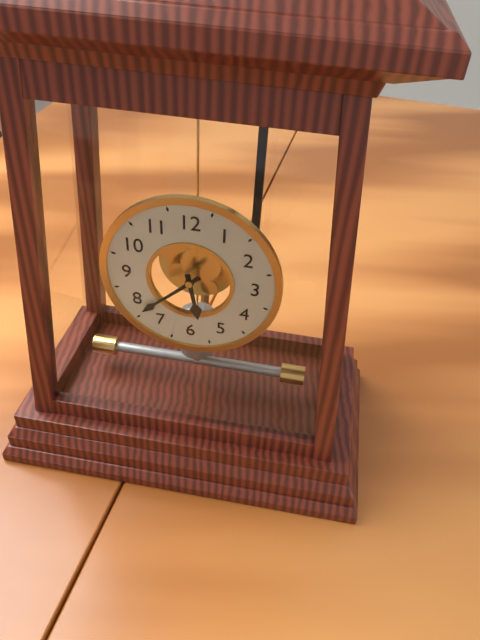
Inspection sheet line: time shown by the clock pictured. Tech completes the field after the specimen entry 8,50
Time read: 5,38
